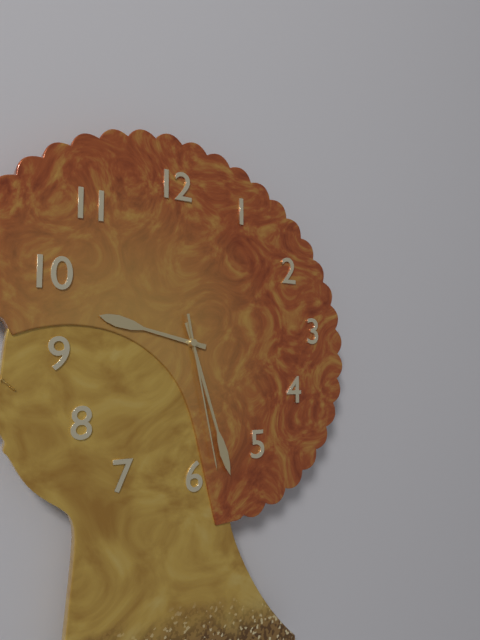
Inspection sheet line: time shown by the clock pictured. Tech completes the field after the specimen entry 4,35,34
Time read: 9,27,28
